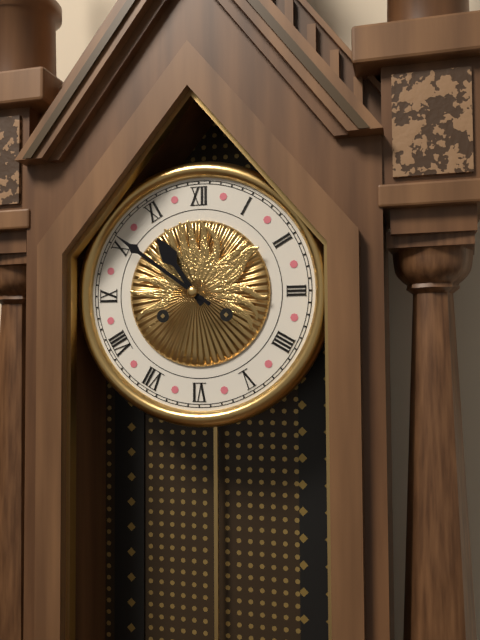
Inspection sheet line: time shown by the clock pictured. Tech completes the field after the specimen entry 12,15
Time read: 10,51
